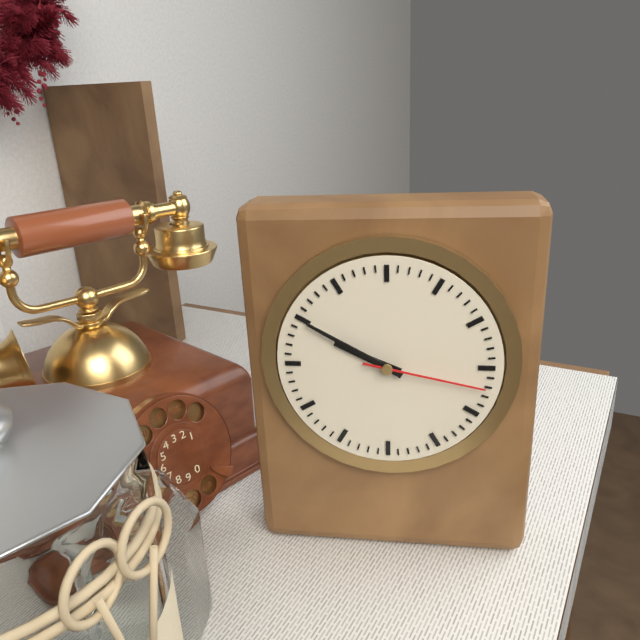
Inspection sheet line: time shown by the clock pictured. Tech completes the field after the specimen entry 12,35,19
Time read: 9,50,17
